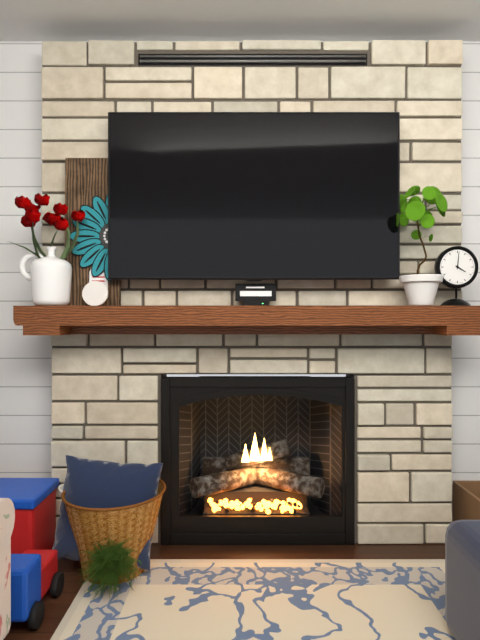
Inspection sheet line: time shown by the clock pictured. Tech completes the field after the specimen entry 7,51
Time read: 4,01
